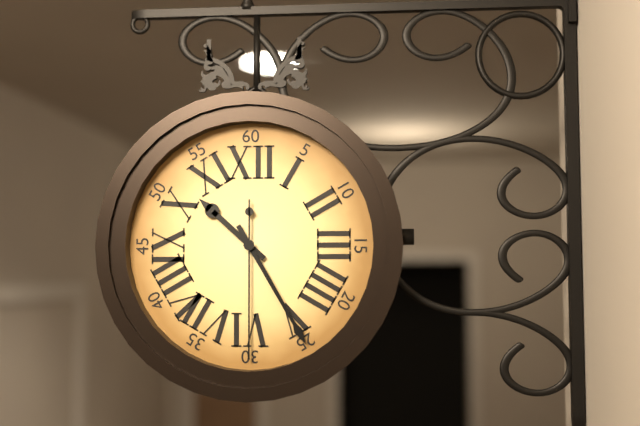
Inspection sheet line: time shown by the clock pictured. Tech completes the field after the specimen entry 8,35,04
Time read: 10,25,30
